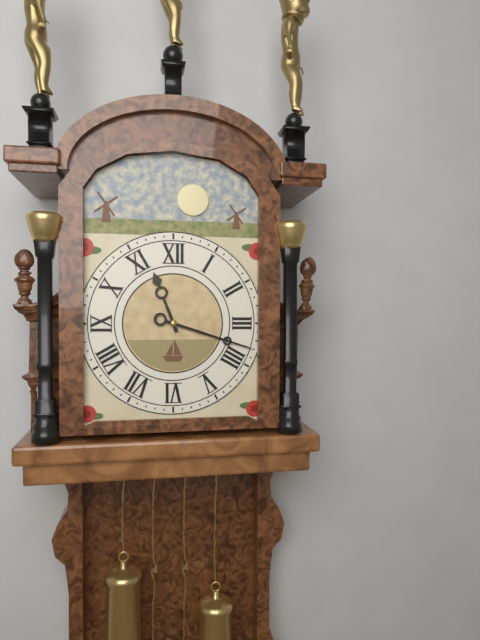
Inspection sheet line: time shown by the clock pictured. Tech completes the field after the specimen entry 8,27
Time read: 11,18
